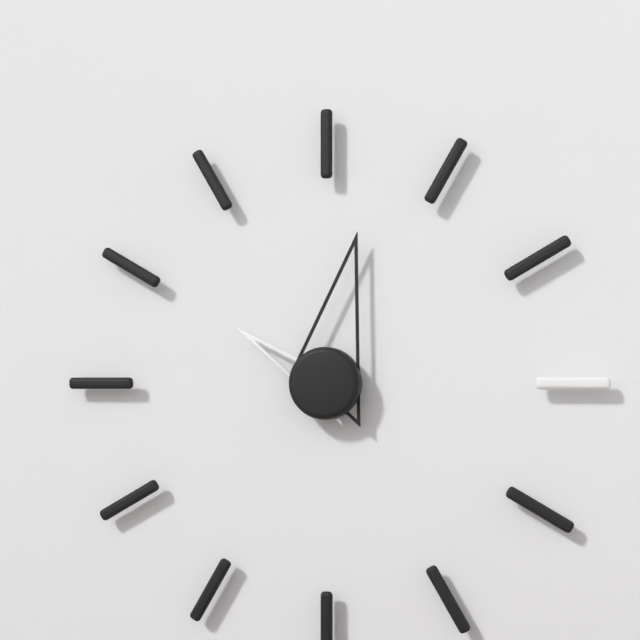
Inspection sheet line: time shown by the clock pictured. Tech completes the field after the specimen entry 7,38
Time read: 10,02
